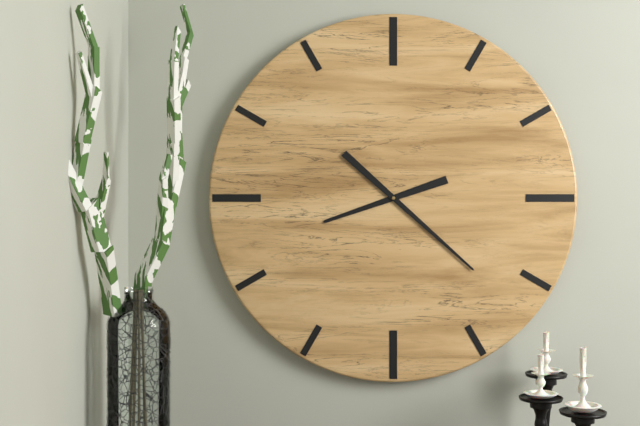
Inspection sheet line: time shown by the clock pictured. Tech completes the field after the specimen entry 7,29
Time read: 8,22
